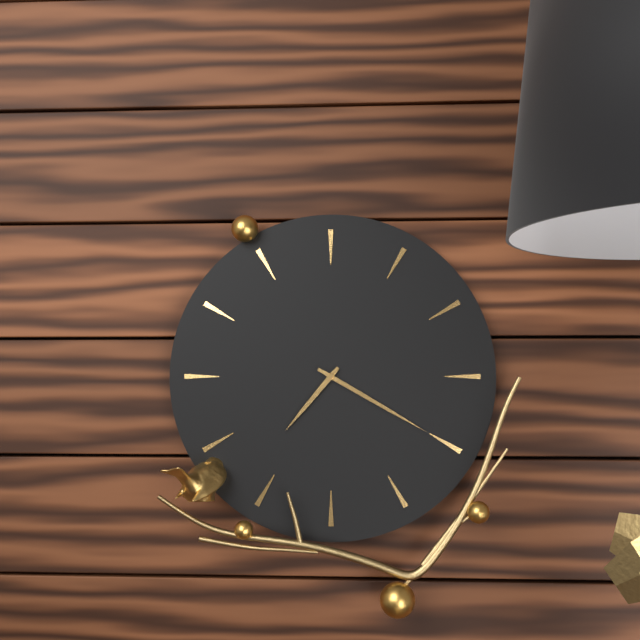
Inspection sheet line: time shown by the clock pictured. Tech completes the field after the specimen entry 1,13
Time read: 7,20
